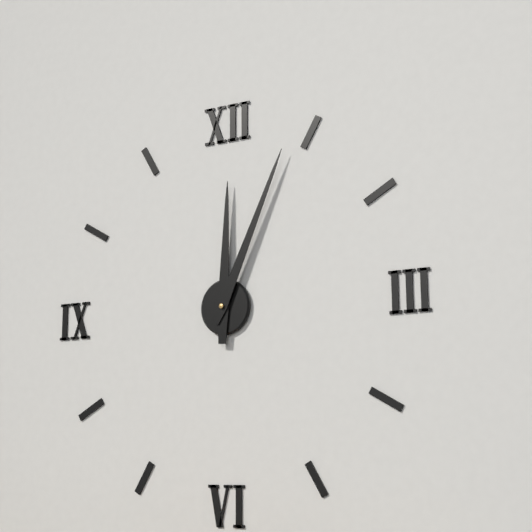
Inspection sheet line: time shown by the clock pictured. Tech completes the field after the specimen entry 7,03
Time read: 12,04
